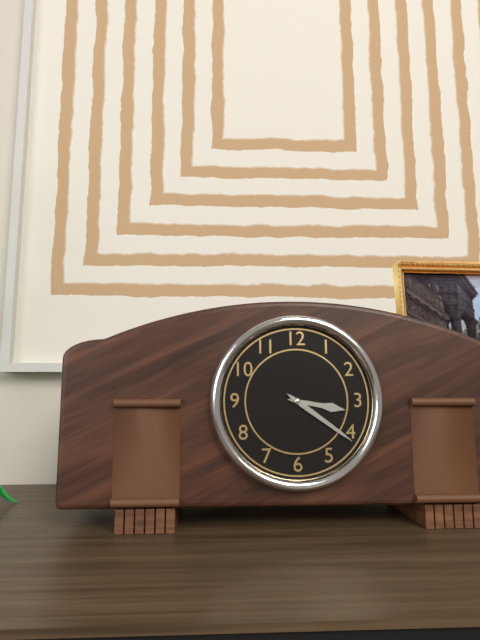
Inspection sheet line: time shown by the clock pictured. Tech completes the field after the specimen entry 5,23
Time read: 3,21
